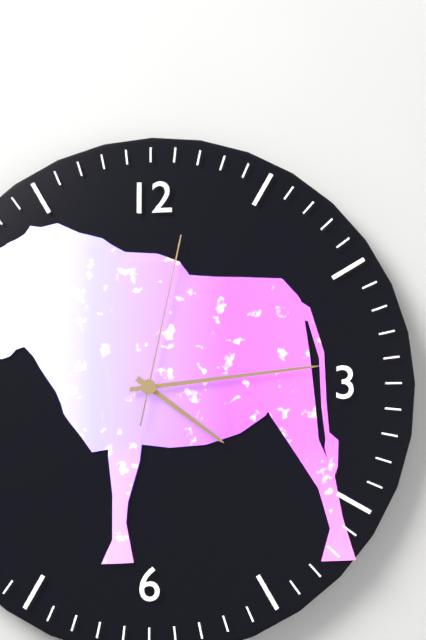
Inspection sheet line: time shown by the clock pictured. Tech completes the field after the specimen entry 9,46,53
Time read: 4,14,02
